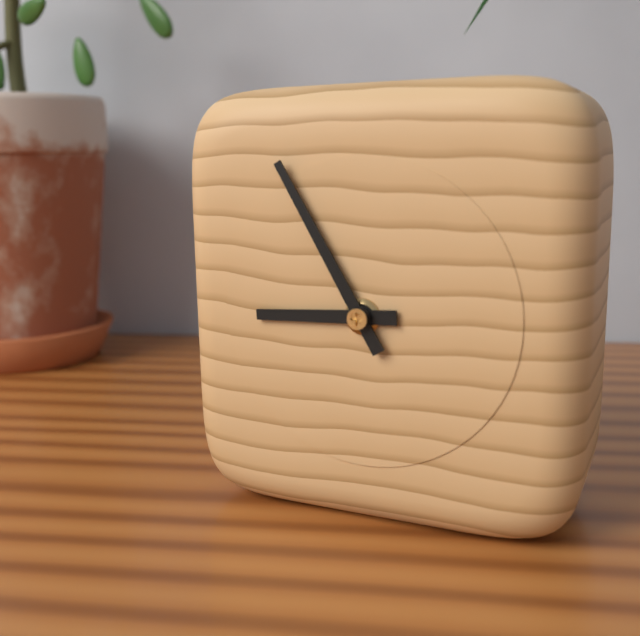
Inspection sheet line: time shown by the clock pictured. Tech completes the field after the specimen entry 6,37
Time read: 8,55
